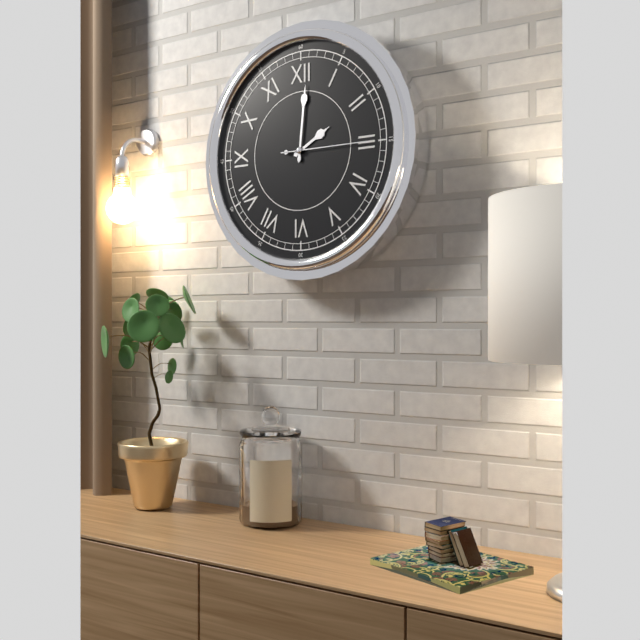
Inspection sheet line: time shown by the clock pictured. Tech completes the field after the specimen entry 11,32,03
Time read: 2,01,15
